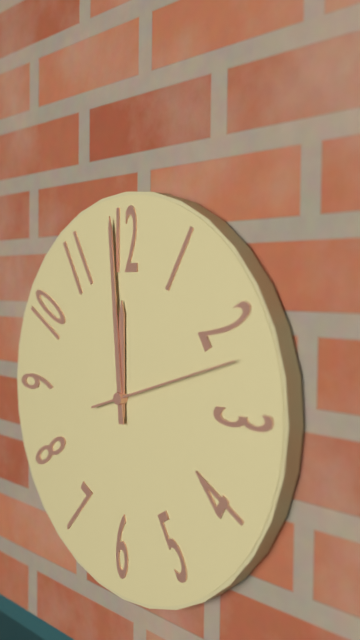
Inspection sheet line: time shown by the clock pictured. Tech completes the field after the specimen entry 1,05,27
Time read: 11,59,12
